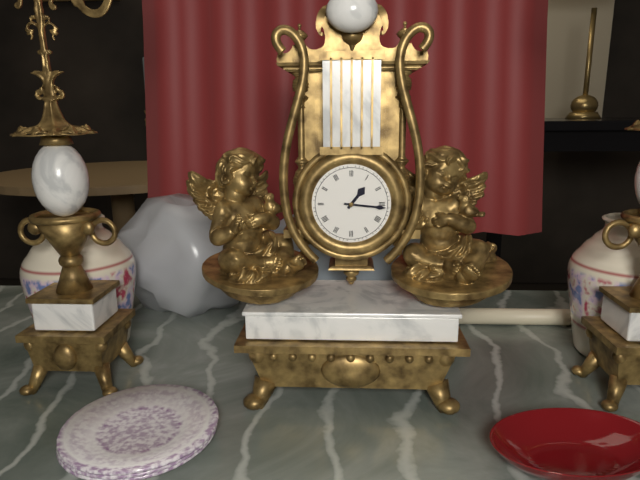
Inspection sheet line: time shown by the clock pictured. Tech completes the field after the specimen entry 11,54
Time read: 1,16
